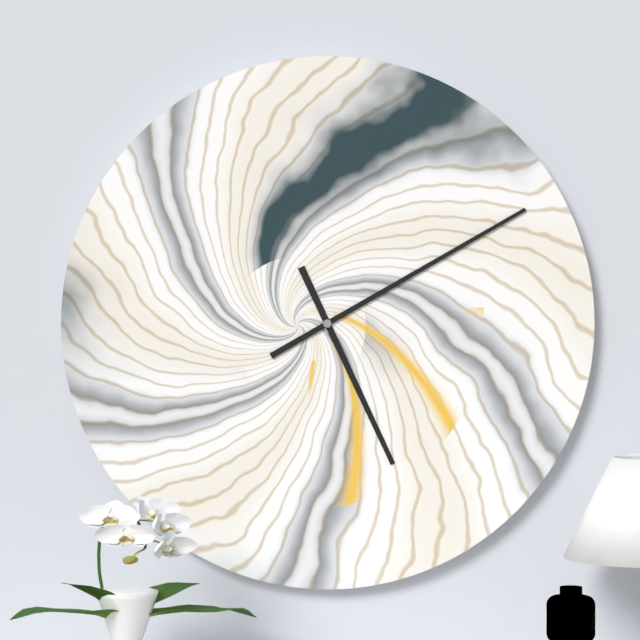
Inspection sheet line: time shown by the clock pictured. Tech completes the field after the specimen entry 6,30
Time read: 5,10
